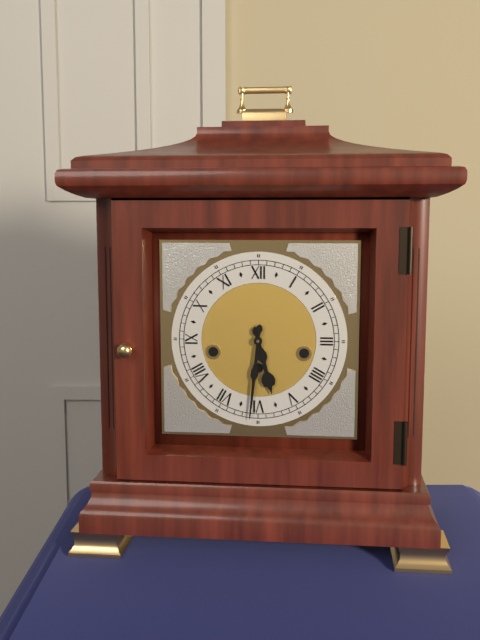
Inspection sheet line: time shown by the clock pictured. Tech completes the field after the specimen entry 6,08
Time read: 5,31
